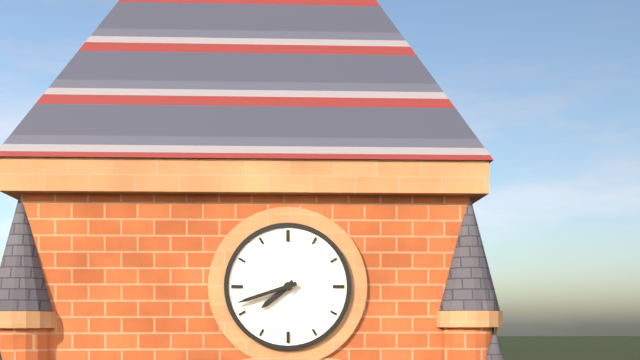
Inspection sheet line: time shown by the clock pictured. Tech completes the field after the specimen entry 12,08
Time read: 7,42
